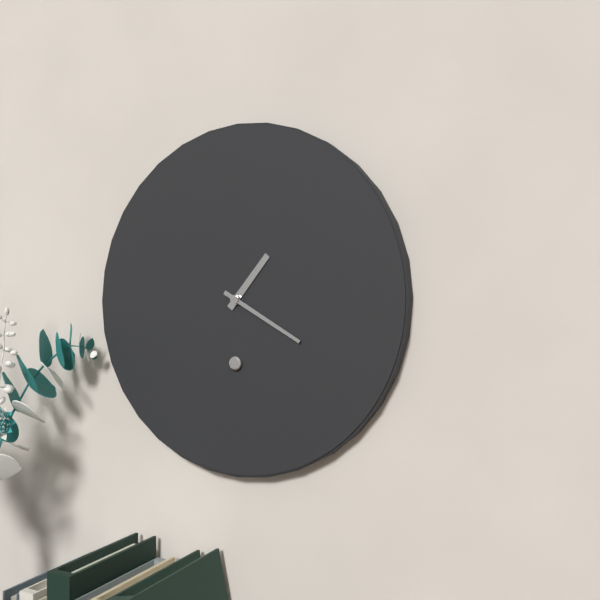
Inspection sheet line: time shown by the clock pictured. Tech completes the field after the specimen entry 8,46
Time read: 1,20
